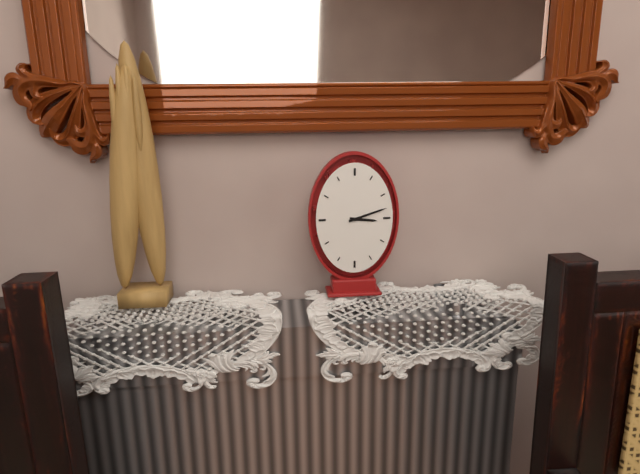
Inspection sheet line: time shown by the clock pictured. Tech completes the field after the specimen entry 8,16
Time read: 3,12
